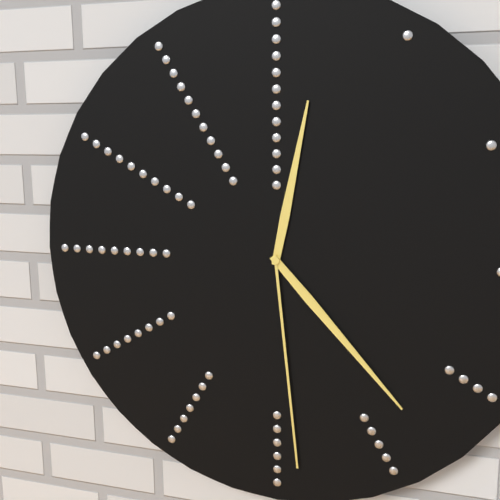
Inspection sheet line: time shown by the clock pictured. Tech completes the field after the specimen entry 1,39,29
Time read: 12,23,29
